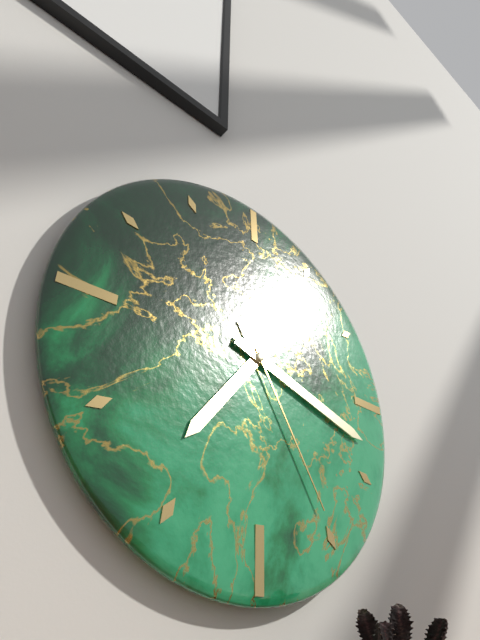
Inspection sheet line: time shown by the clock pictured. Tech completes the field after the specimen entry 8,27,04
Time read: 7,18,25
